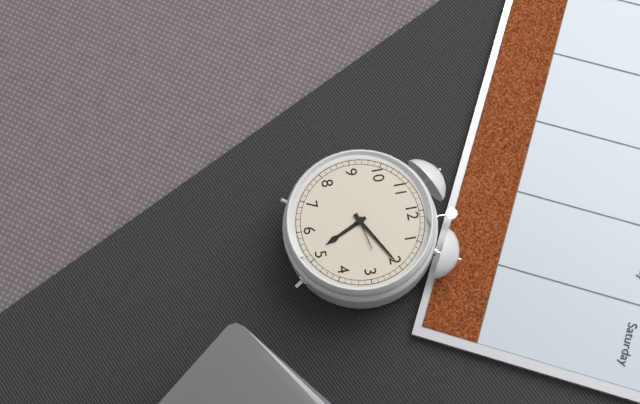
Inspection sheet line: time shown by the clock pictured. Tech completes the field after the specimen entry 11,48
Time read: 5,10
